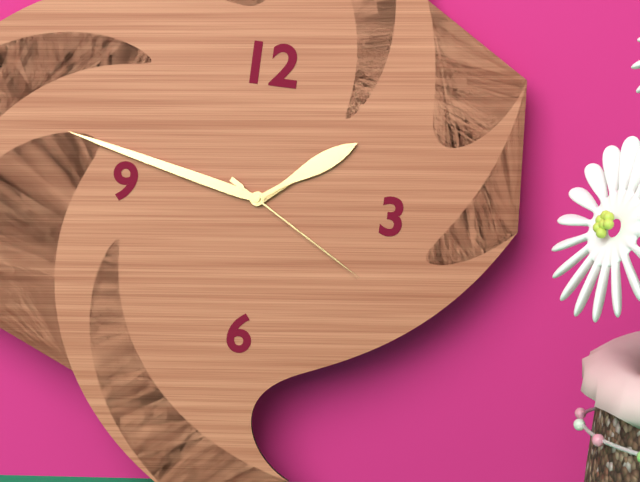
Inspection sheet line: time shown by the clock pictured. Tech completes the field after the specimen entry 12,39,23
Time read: 1,47,20
